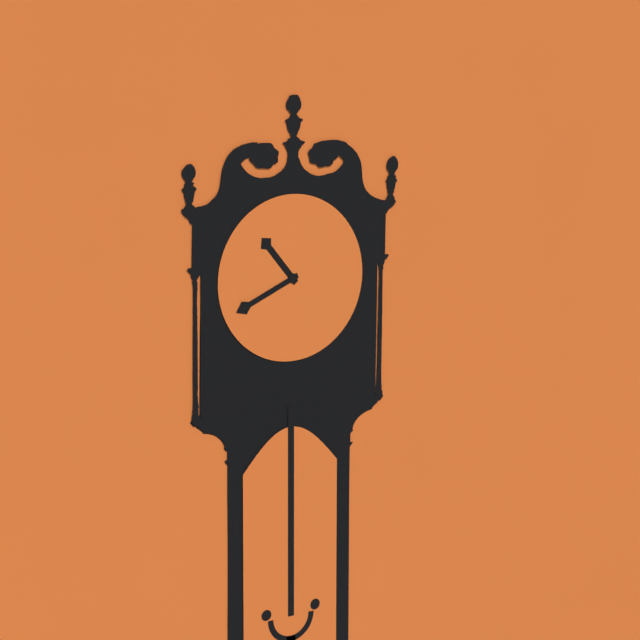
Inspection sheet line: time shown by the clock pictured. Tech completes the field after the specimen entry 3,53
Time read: 10,41
